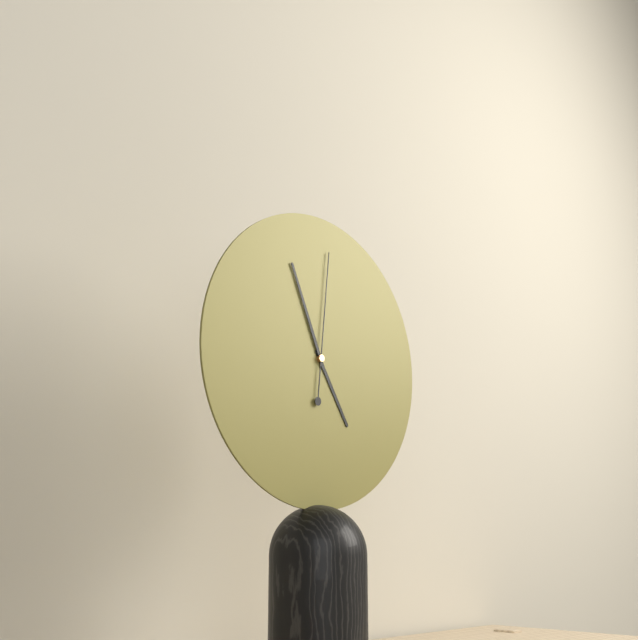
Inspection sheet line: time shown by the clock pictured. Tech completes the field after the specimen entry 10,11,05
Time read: 4,56,01
